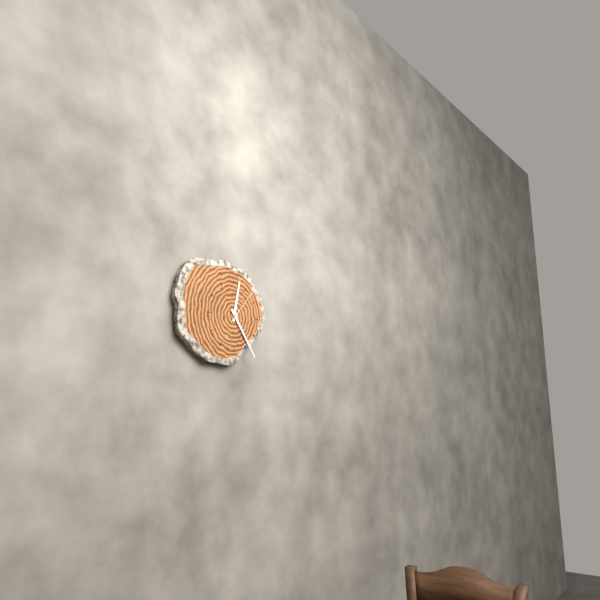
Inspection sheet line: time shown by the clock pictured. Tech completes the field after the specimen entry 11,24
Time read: 12,24
